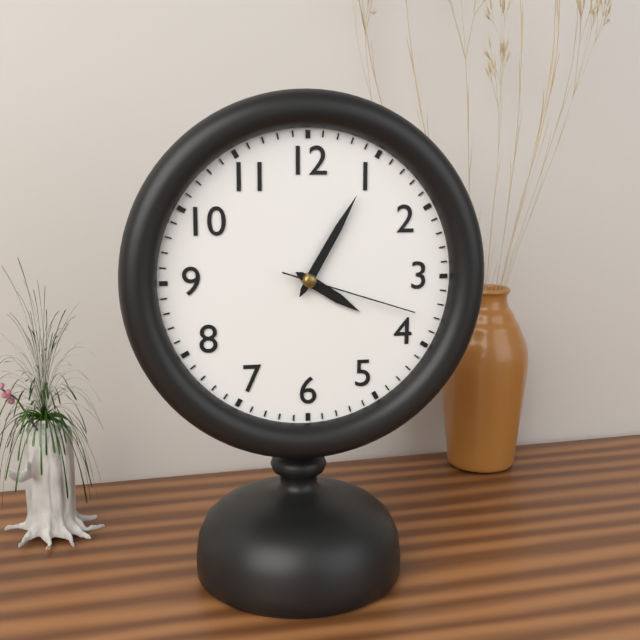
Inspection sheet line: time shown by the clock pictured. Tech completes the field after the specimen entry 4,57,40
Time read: 4,05,18
